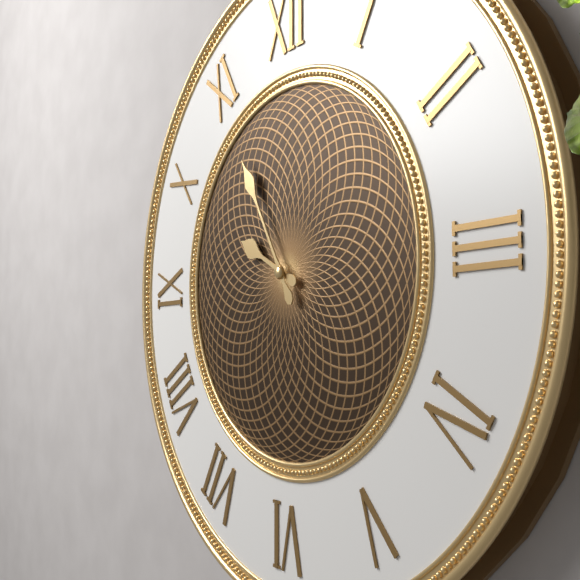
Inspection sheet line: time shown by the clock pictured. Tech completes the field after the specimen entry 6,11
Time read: 9,55
